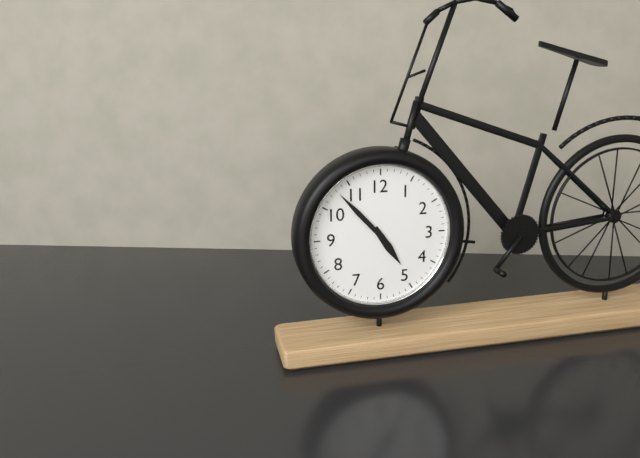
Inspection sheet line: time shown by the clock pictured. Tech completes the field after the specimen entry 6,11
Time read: 4,53
